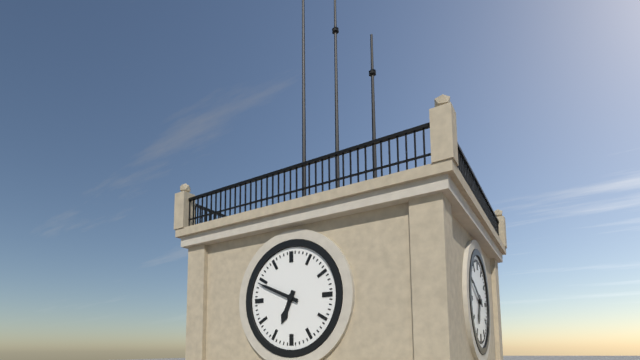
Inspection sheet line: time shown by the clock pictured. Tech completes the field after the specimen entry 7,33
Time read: 6,49
